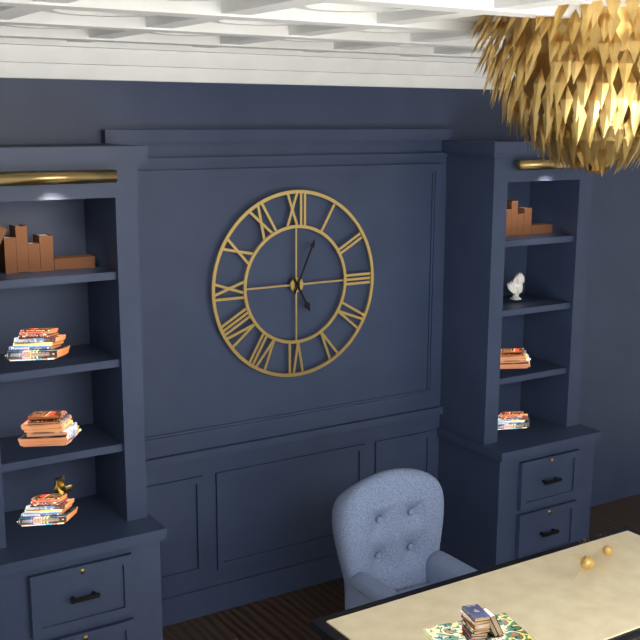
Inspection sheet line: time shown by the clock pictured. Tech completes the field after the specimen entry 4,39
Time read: 5,04
